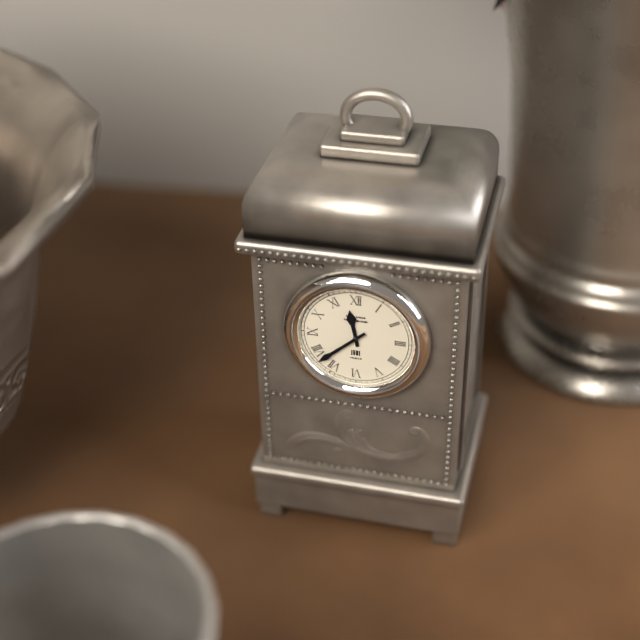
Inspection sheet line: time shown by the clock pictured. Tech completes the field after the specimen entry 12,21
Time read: 11,38
